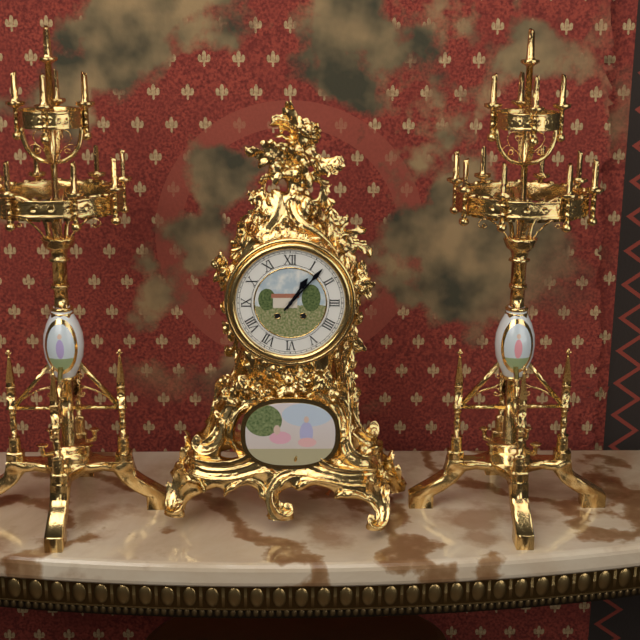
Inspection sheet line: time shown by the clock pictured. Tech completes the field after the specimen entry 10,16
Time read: 1,07
